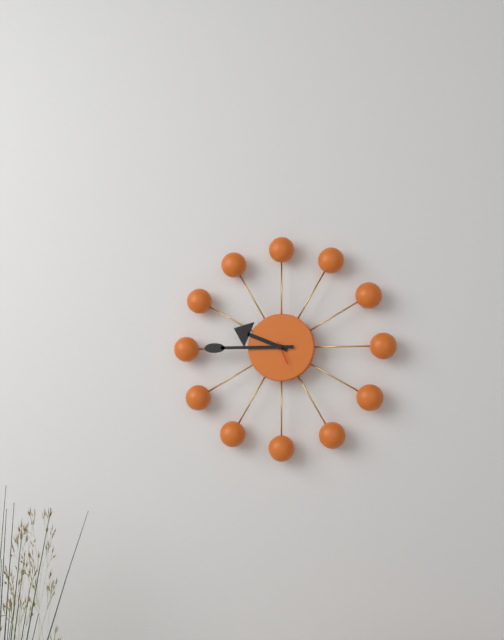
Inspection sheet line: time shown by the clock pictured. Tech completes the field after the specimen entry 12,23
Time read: 9,45
